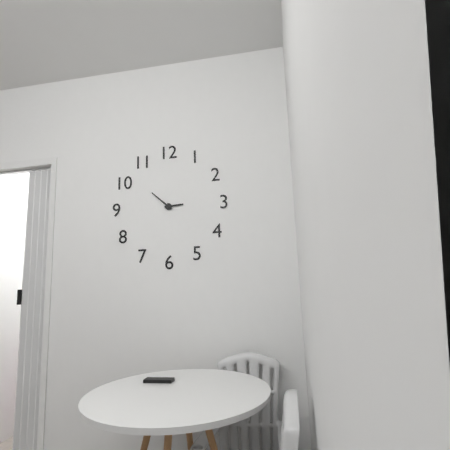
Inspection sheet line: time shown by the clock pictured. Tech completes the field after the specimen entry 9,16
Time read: 2,52
